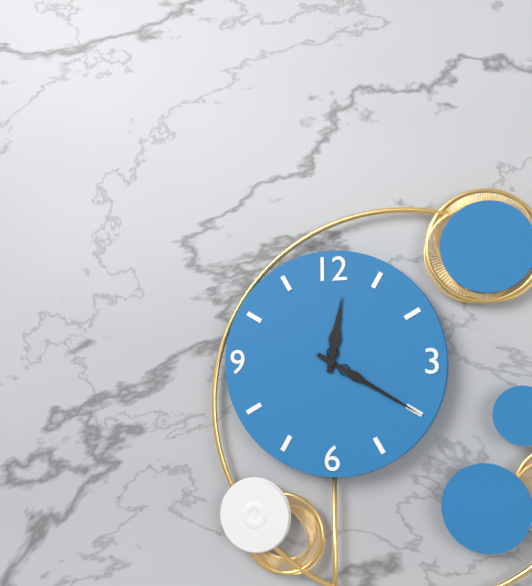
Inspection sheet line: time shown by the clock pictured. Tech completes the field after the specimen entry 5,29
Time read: 12,20
